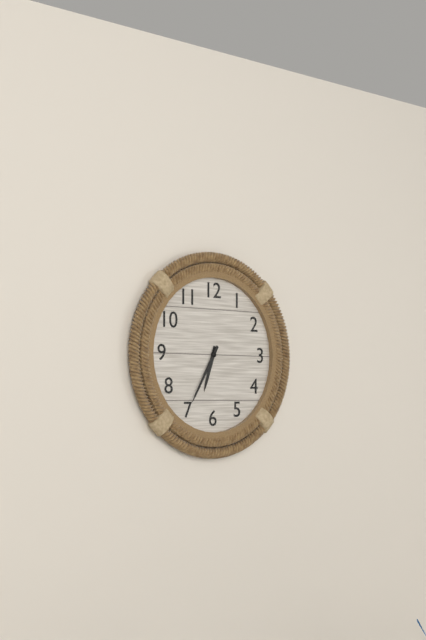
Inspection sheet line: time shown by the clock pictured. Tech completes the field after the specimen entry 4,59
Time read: 6,35
